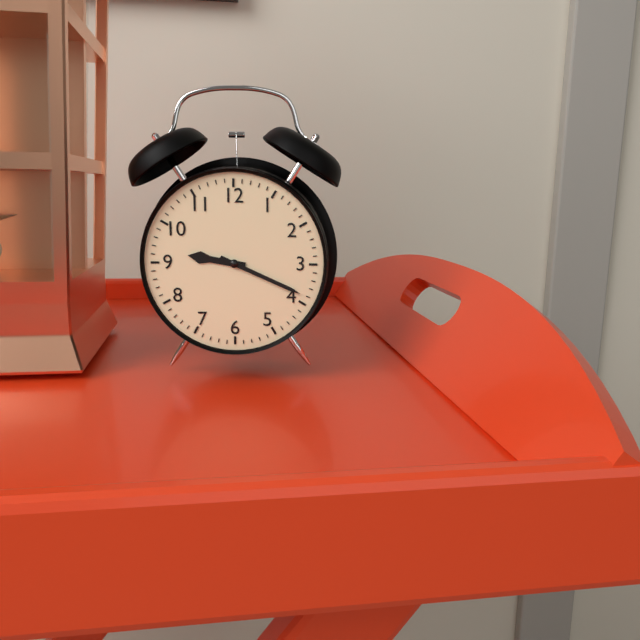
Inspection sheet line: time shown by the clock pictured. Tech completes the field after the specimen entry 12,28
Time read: 9,19
